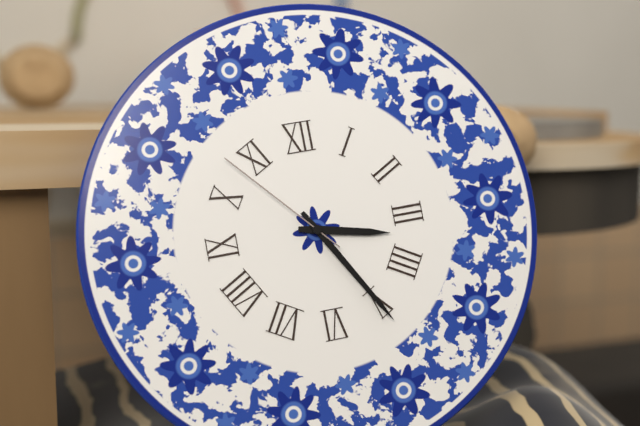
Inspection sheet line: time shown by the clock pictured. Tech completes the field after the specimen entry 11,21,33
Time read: 3,25,53
